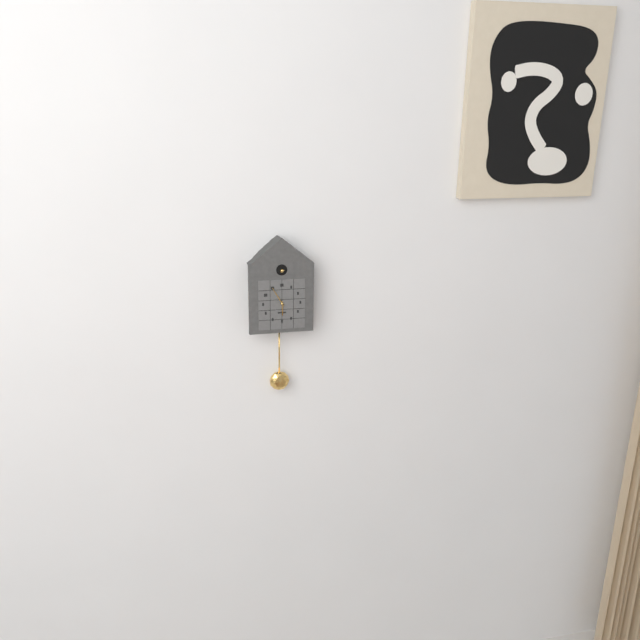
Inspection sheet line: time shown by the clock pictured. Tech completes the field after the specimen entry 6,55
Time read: 5,55
